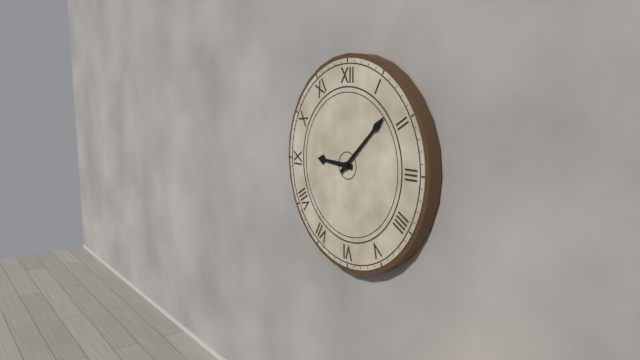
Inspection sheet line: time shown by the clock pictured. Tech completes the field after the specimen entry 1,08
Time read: 9,08
